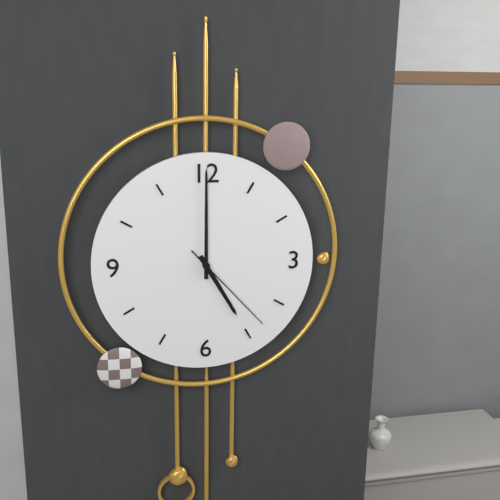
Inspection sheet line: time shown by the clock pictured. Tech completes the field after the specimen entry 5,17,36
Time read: 5,00,23
